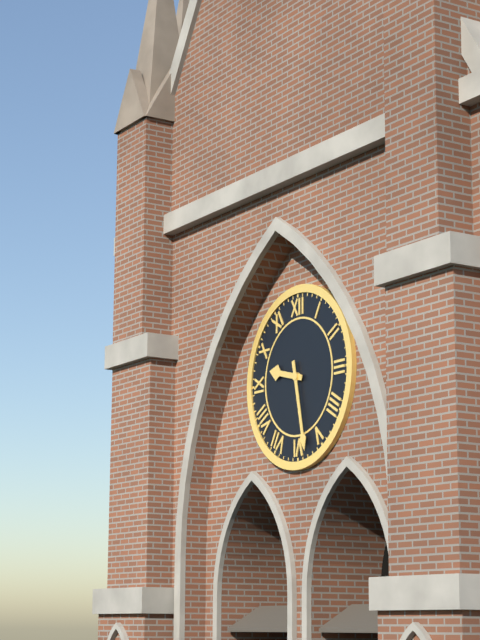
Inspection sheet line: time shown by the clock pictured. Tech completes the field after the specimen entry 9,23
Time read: 9,28
